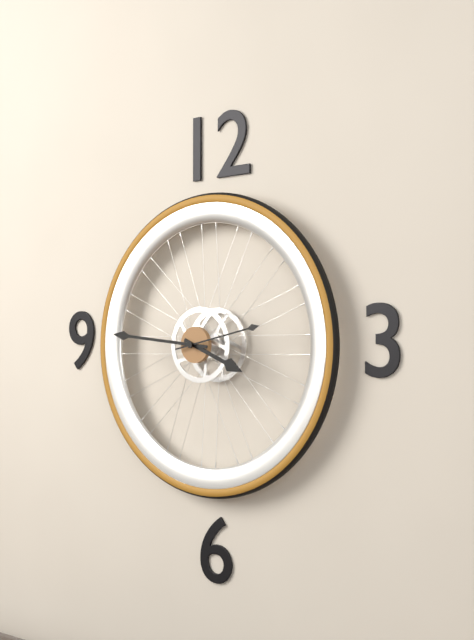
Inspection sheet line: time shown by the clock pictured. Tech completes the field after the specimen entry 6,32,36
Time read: 3,46,13
